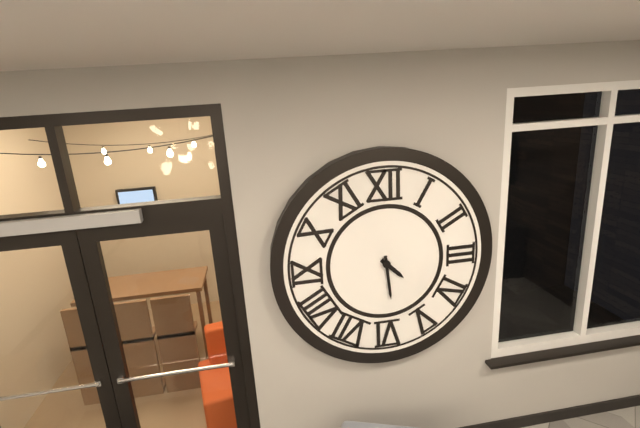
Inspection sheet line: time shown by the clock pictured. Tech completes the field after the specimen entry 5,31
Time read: 4,29
